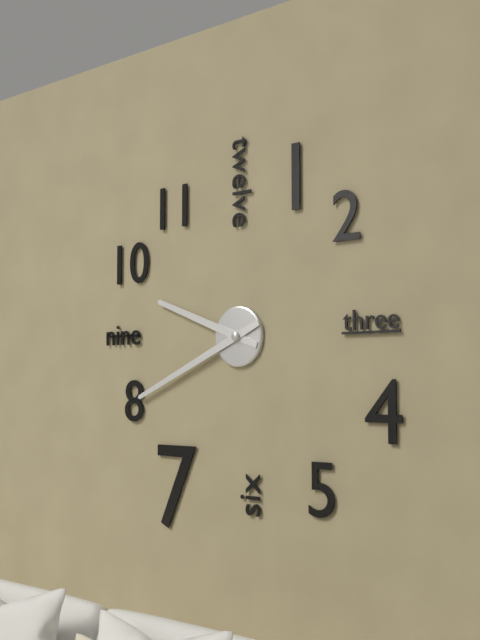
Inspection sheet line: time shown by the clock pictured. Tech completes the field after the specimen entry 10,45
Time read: 9,41
